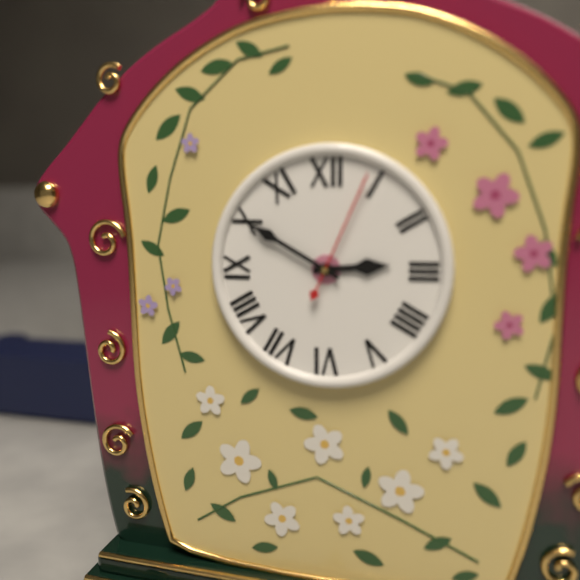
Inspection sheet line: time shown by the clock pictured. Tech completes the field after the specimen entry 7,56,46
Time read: 2,50,04
